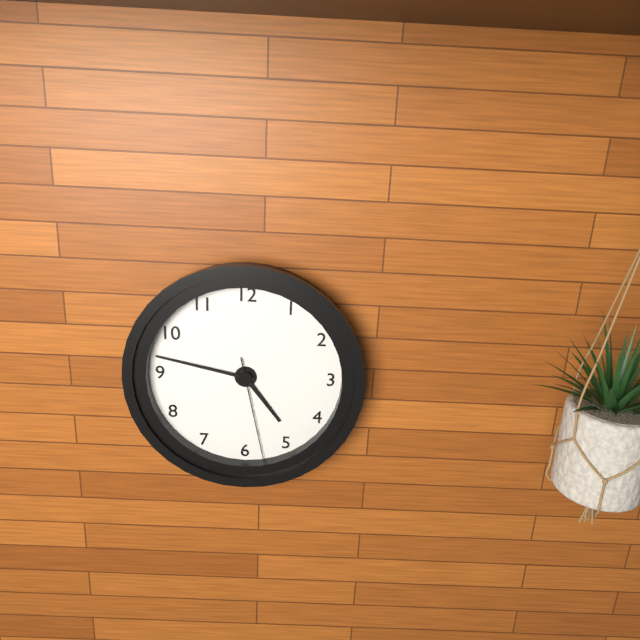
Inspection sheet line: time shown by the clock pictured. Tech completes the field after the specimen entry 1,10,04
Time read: 4,47,28
